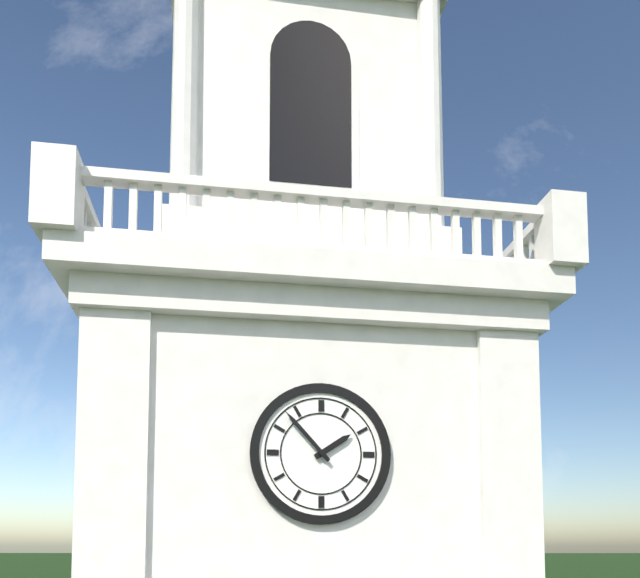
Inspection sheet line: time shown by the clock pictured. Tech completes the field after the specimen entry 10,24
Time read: 1,53
